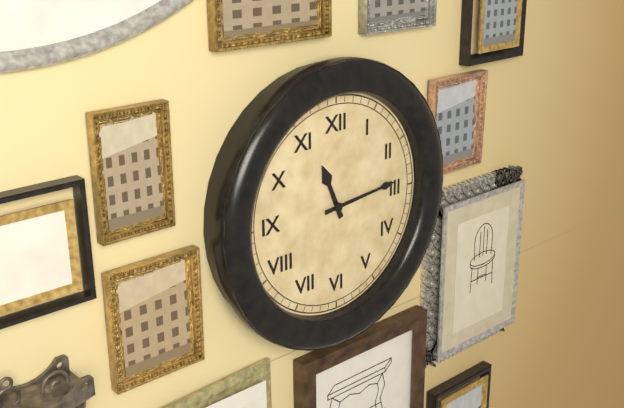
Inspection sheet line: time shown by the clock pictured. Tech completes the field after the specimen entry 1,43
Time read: 11,14
